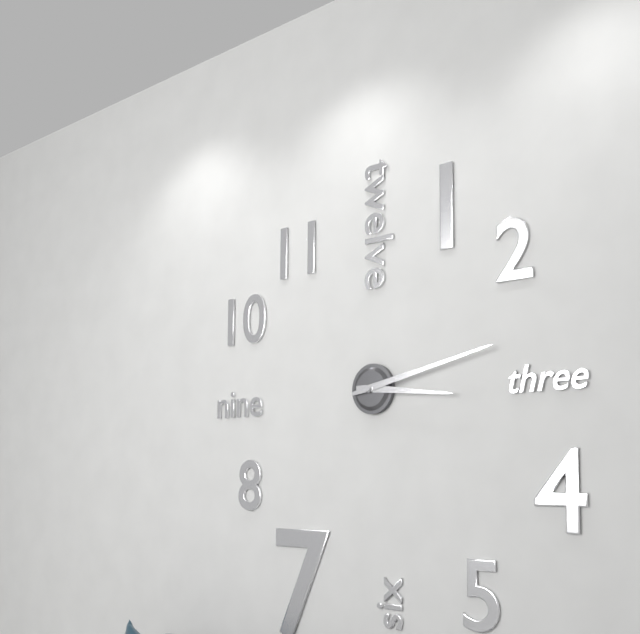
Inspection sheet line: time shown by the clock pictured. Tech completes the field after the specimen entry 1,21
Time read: 3,13
